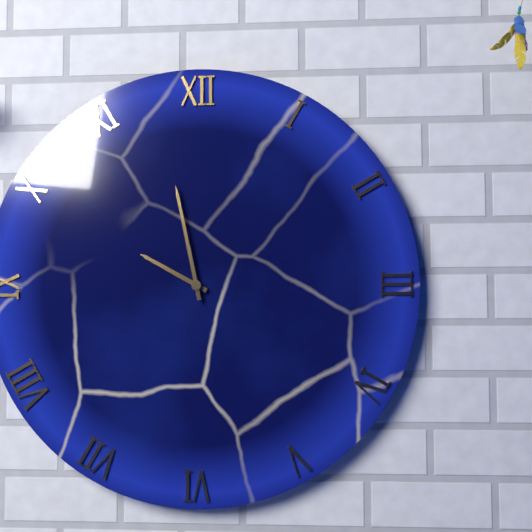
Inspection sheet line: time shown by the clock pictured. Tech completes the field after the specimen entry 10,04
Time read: 9,58
